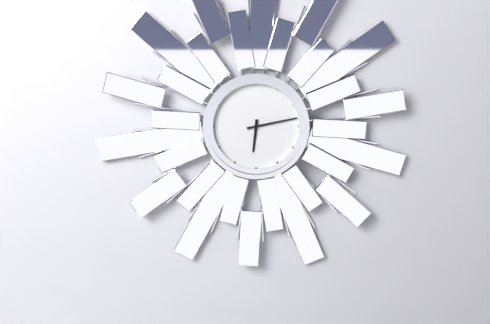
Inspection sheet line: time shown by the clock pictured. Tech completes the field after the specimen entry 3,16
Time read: 6,13
